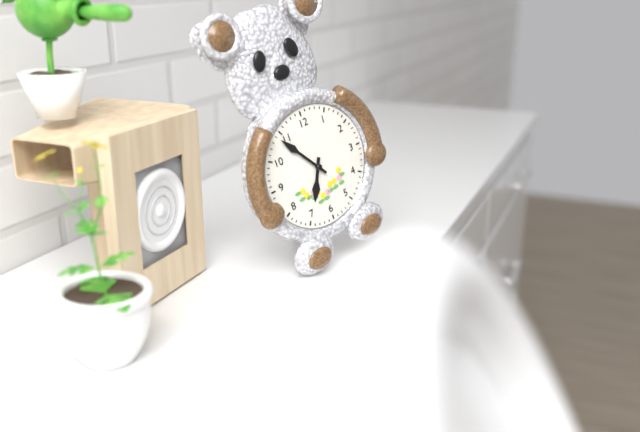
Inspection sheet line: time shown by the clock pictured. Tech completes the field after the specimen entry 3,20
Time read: 6,54
